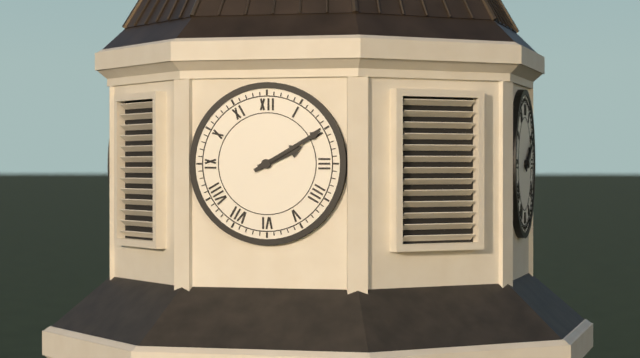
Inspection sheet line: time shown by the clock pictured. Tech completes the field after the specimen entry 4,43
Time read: 2,10
